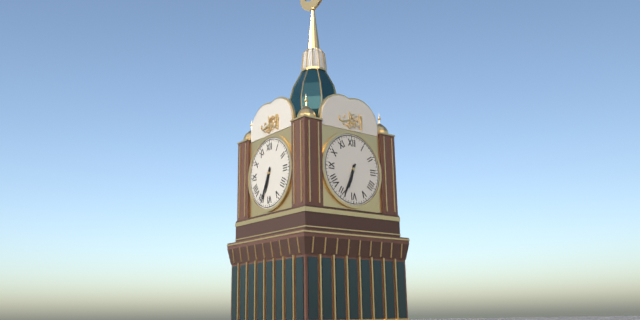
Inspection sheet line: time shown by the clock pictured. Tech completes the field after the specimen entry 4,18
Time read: 6,34
